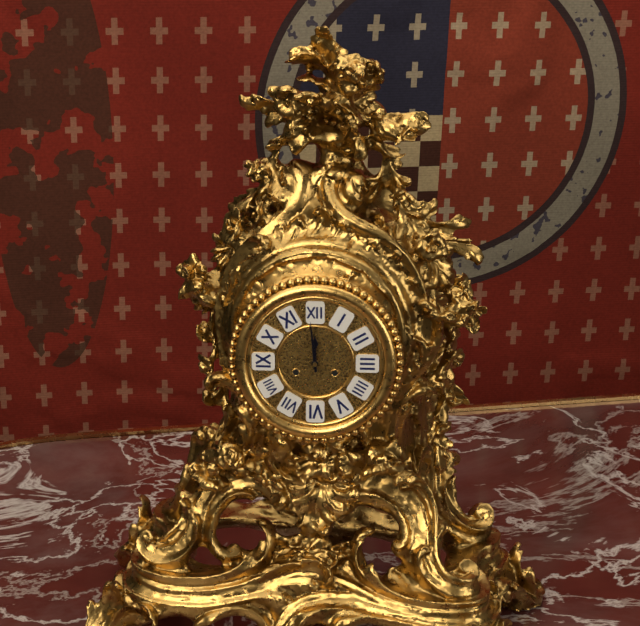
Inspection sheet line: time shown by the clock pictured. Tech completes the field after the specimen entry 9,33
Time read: 11,59
